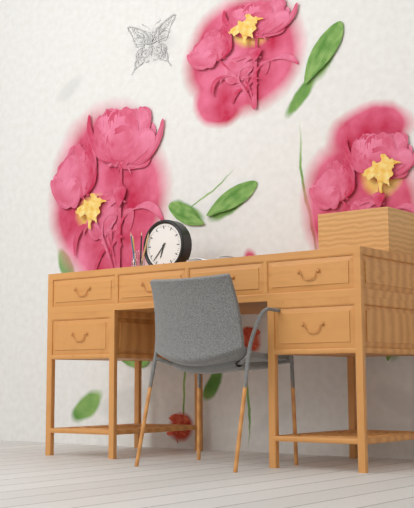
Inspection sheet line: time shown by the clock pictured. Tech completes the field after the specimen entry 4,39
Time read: 6,37
